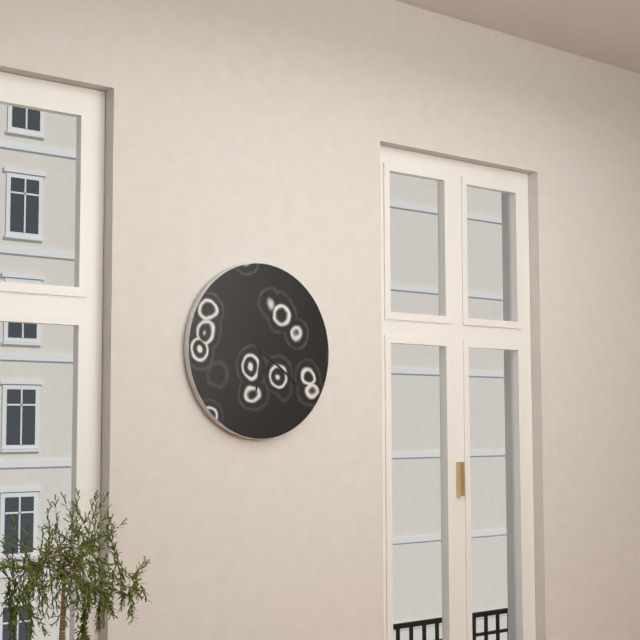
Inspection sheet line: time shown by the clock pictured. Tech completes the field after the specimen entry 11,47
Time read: 6,21
